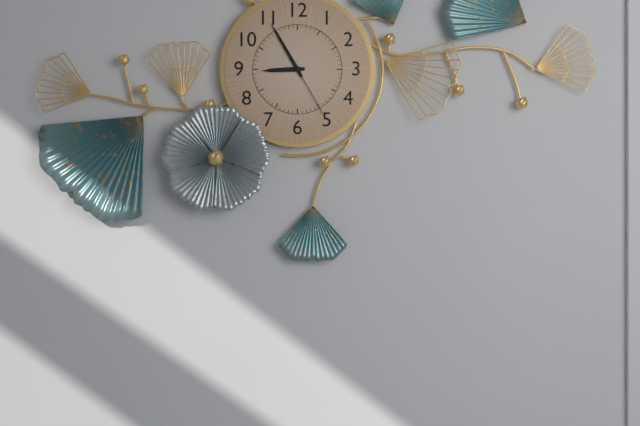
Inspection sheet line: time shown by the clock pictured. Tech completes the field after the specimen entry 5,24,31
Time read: 8,55,25
